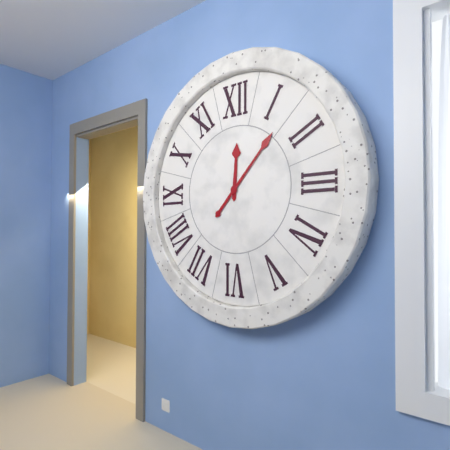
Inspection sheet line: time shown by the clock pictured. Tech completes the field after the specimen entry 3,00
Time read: 12,07
